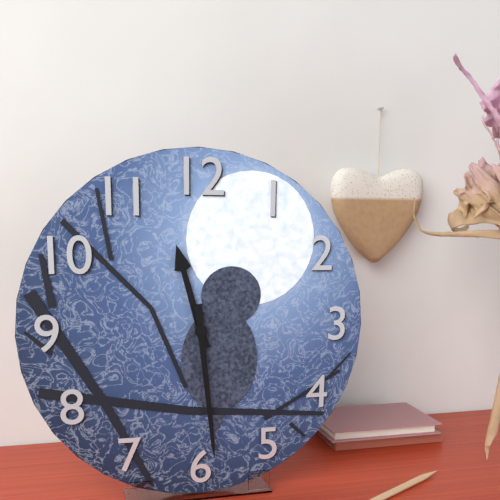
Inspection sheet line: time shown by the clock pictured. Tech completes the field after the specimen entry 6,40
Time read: 11,29
